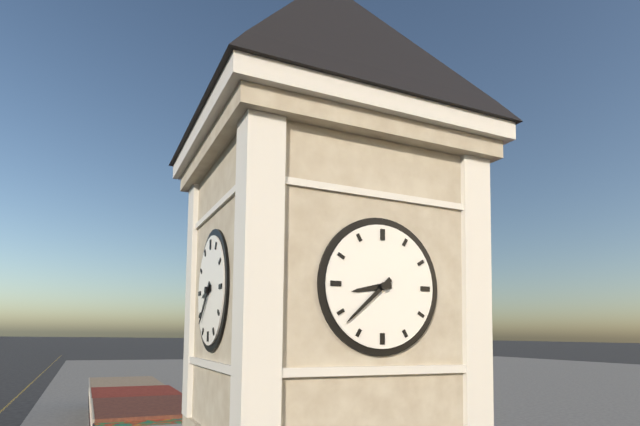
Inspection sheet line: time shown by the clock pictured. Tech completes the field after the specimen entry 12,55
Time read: 8,38
